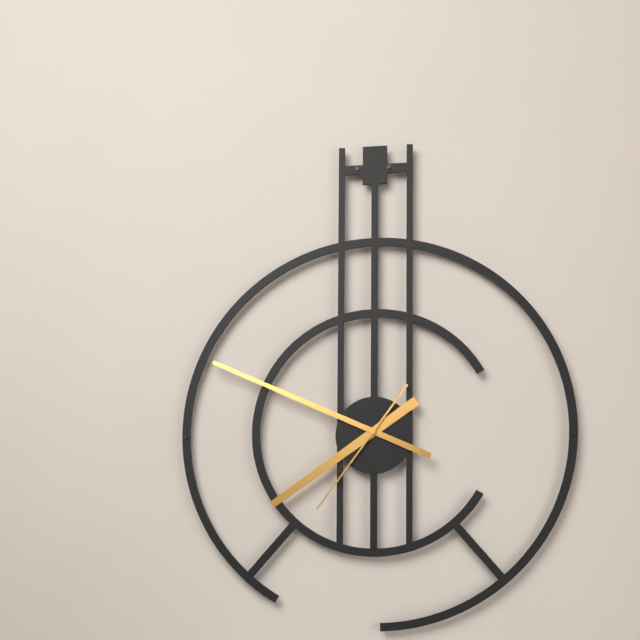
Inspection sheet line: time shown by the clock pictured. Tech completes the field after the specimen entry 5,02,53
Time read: 7,49,36
